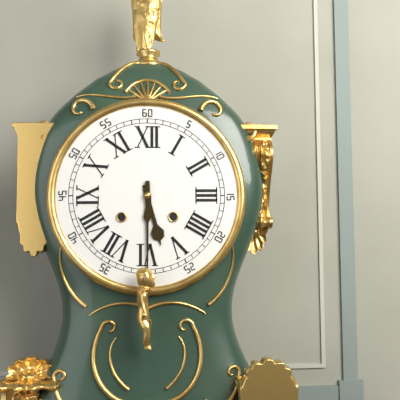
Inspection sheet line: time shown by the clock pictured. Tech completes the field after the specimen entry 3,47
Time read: 5,30
